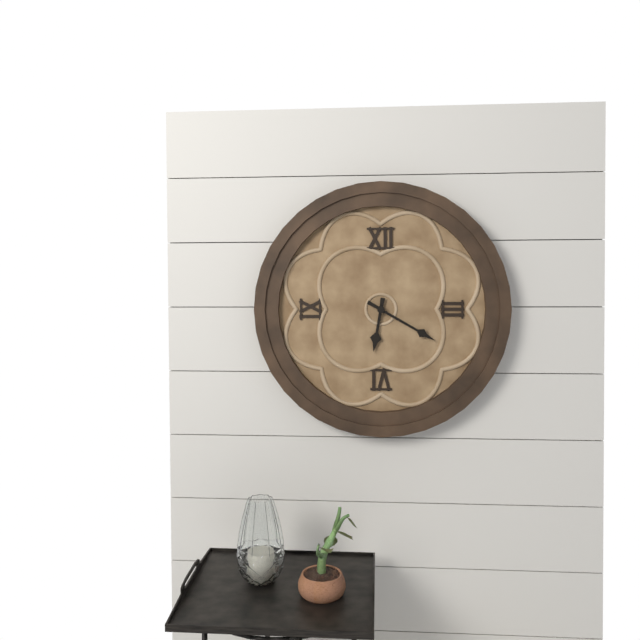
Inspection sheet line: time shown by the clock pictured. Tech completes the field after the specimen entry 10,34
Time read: 6,20
